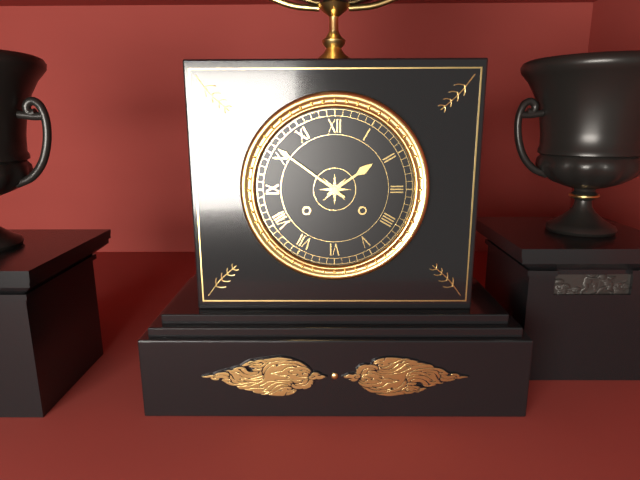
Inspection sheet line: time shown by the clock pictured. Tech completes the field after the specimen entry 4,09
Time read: 1,51
